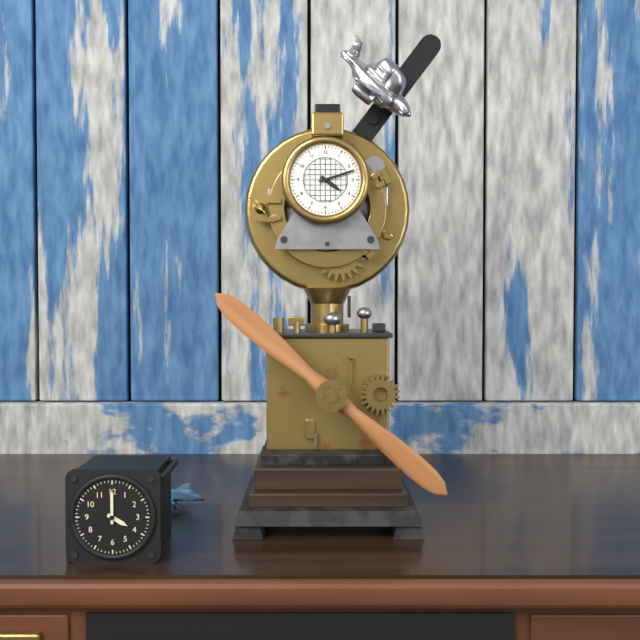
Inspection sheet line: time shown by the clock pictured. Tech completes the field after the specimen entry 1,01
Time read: 4,12
